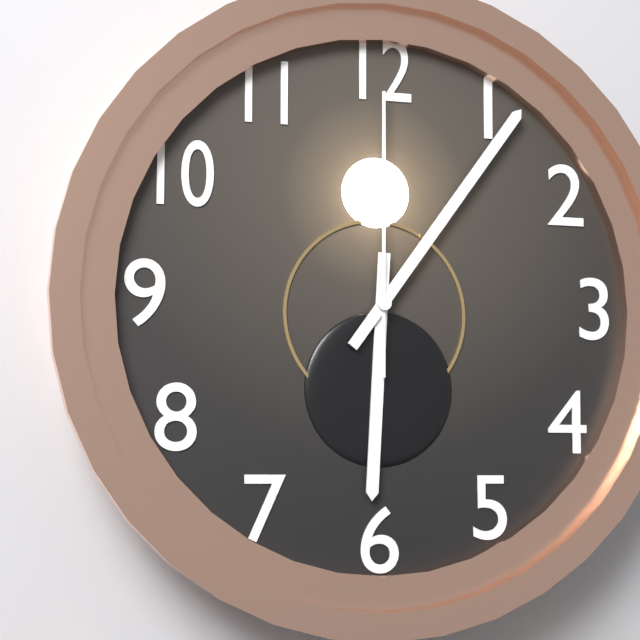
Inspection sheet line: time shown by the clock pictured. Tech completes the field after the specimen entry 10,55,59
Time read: 6,06,00
